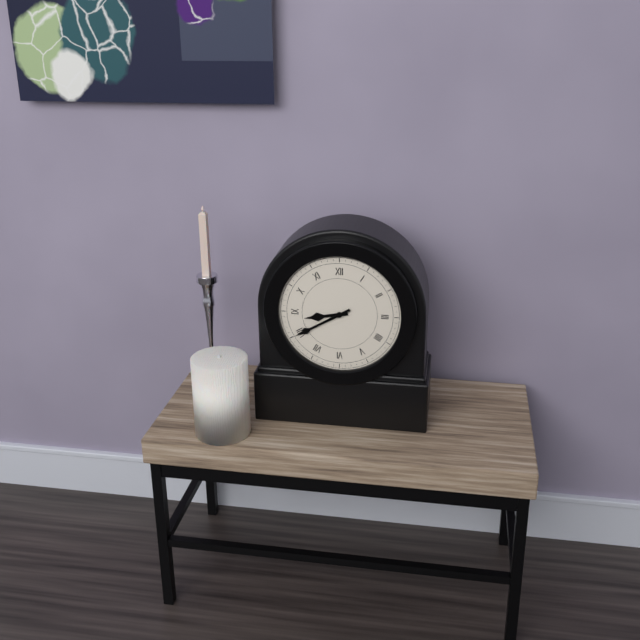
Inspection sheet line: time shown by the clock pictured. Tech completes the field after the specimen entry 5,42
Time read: 8,40
